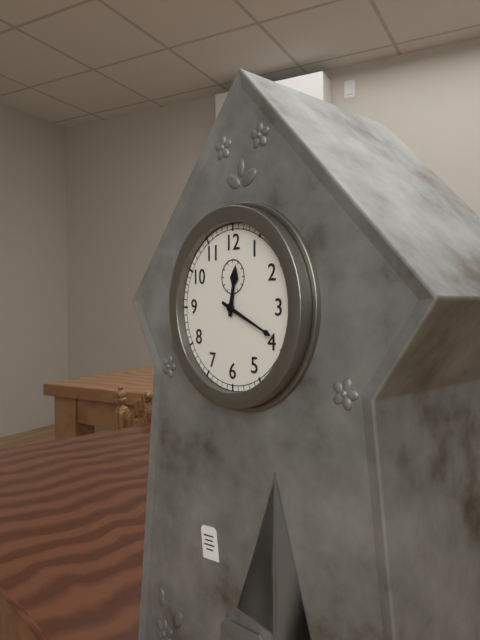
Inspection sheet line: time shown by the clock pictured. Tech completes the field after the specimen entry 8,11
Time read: 12,19
